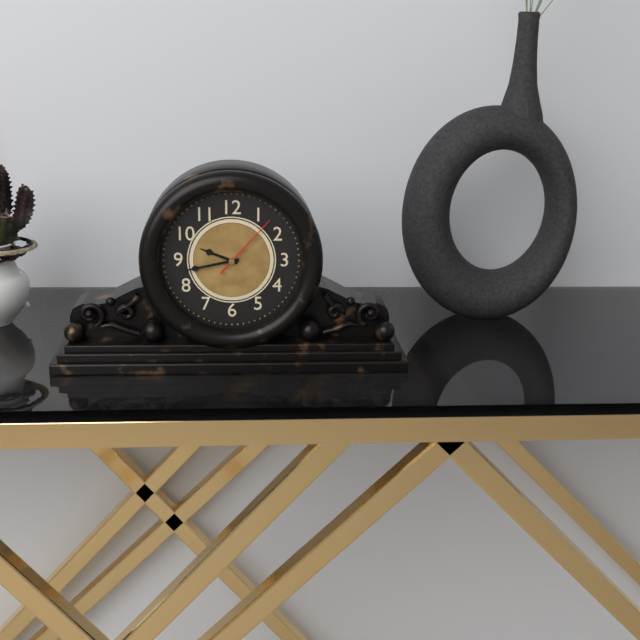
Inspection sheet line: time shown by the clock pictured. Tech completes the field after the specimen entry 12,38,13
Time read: 9,43,07
